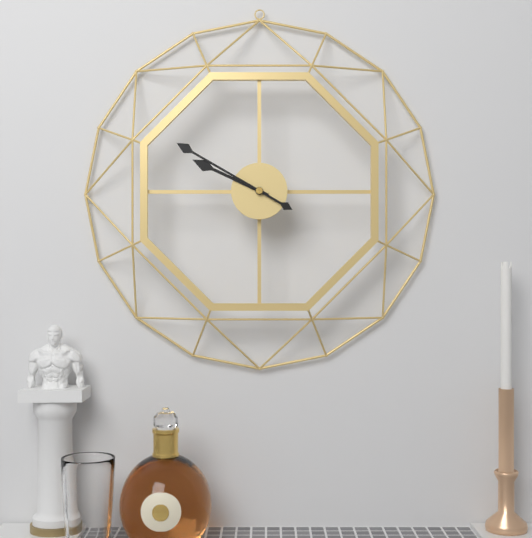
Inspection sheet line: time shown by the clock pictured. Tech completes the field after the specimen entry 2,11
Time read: 9,50
